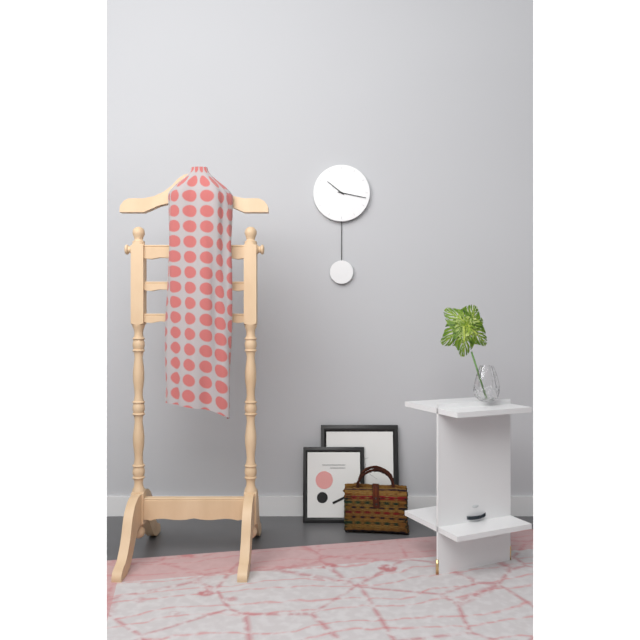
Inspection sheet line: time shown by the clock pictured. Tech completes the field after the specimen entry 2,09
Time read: 10,17
